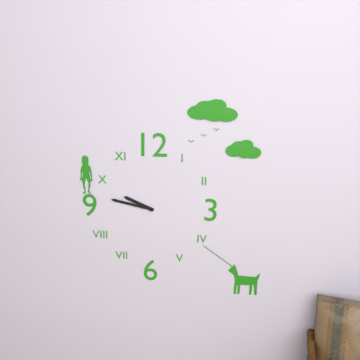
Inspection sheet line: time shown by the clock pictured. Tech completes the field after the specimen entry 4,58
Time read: 9,47
